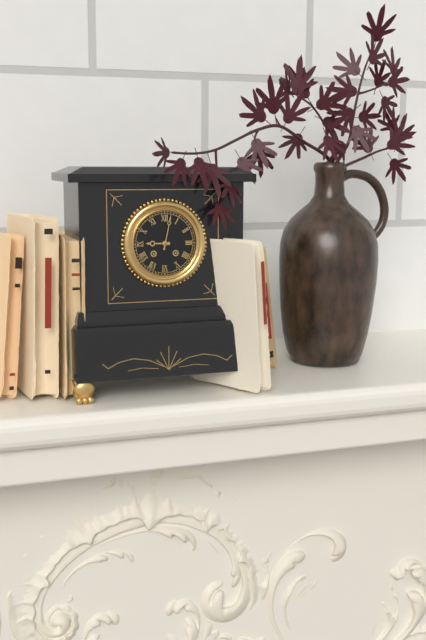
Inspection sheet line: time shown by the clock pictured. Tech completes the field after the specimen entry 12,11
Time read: 9,02
